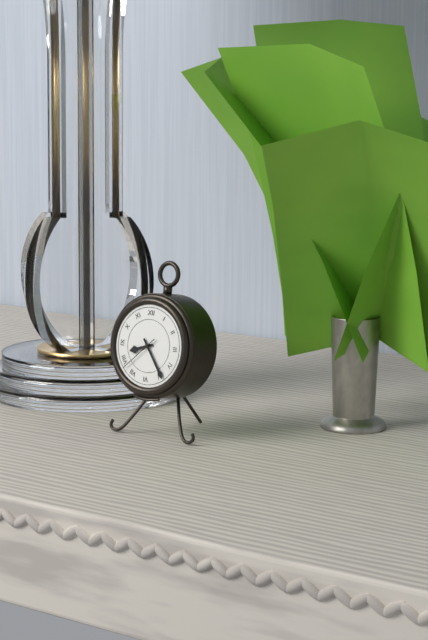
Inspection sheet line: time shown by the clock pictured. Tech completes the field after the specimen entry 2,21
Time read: 8,24
